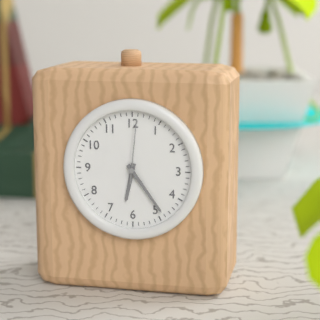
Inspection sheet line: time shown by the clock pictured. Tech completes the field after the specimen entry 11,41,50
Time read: 6,24,01
